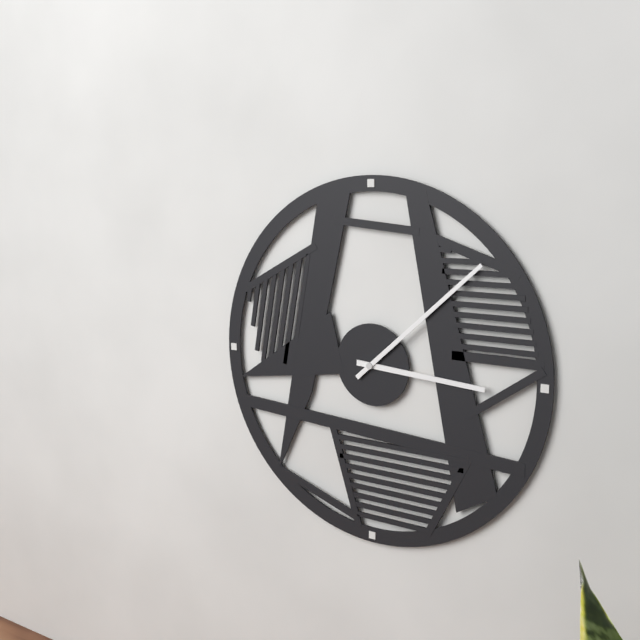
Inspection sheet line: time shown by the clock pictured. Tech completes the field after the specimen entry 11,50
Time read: 3,08
